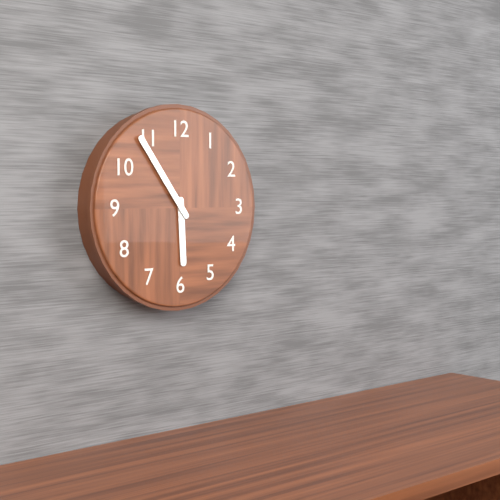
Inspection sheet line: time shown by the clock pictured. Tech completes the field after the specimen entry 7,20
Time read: 5,54
